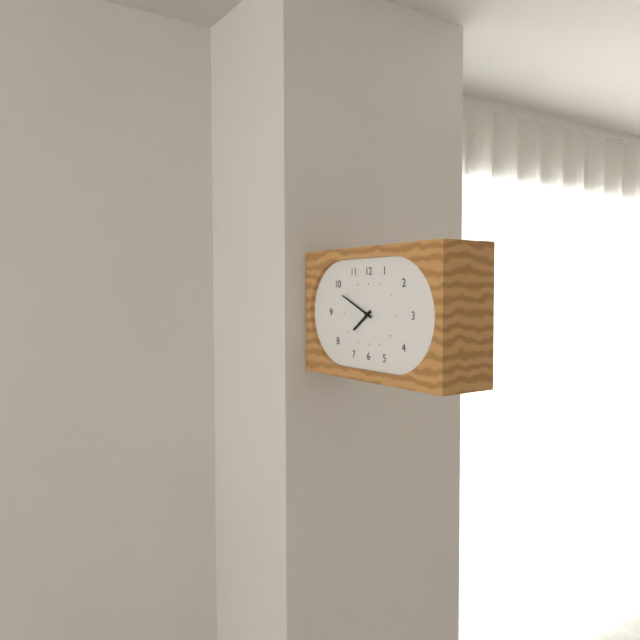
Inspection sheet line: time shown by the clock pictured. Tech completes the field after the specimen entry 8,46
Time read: 7,49
